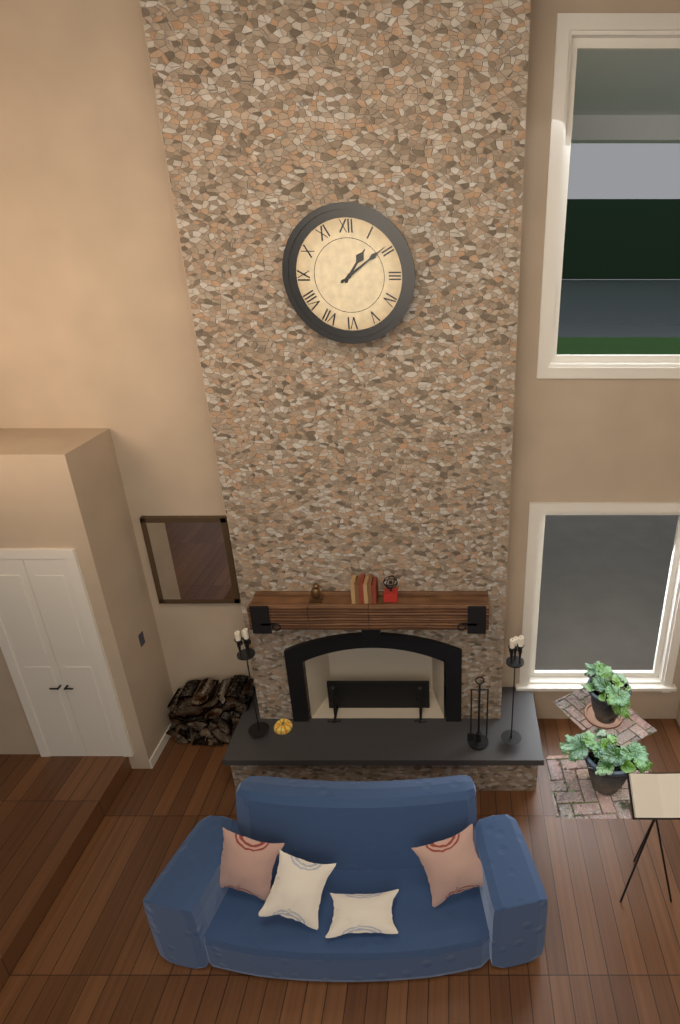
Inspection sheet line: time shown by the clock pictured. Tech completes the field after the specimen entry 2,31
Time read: 1,09
